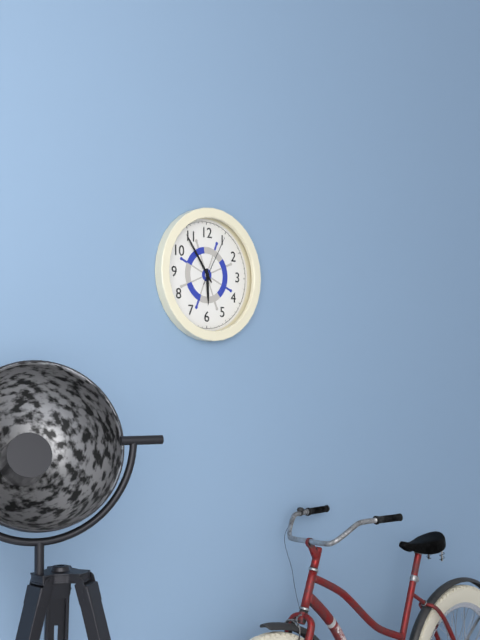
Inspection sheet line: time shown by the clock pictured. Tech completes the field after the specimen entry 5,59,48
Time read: 5,54,05
